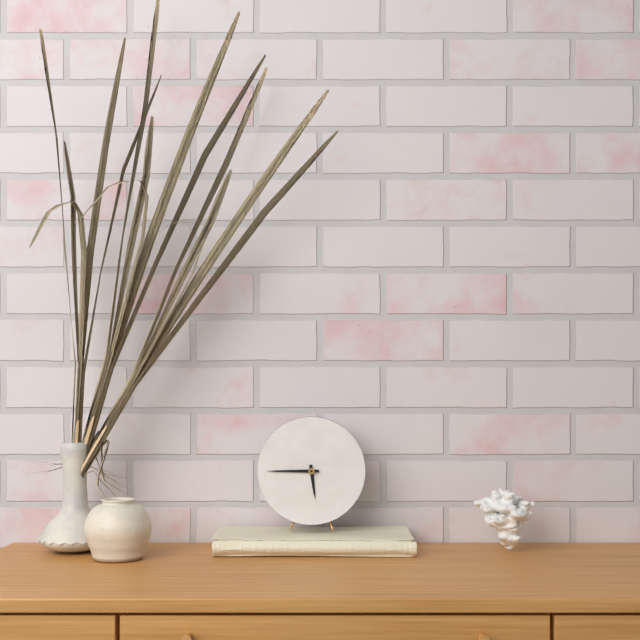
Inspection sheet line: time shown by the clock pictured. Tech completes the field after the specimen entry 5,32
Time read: 5,45
